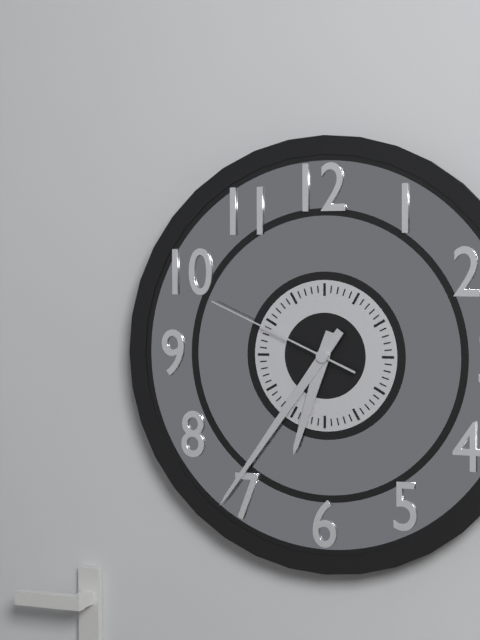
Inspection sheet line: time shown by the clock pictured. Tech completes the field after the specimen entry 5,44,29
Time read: 6,36,49
